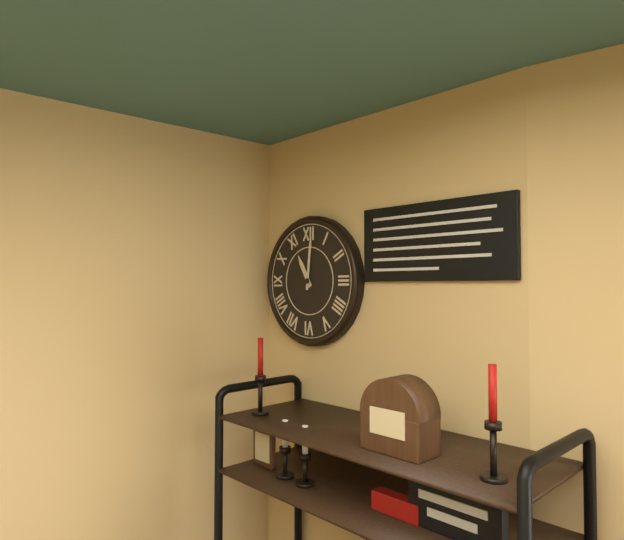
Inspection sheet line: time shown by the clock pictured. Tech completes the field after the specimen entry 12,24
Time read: 11,01
